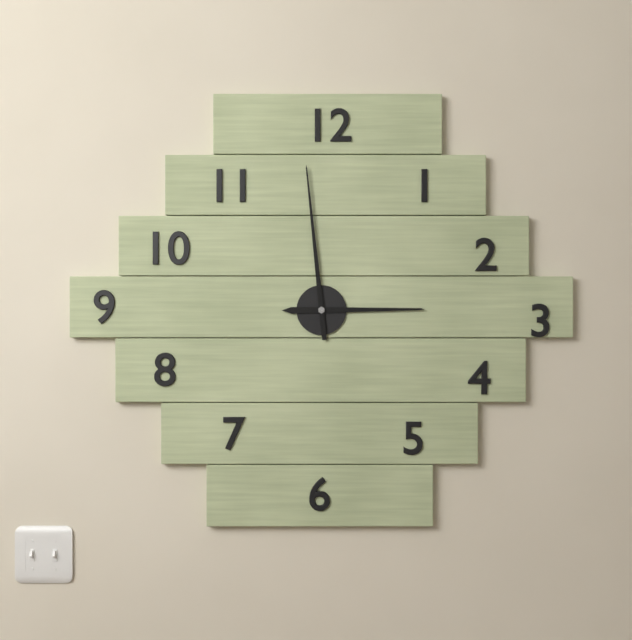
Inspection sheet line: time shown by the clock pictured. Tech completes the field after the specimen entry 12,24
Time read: 2,59
